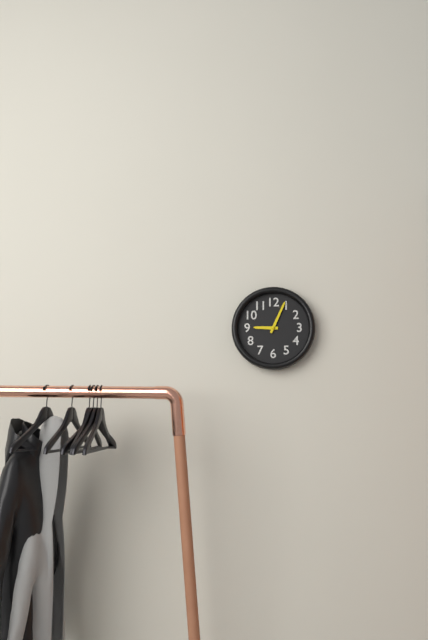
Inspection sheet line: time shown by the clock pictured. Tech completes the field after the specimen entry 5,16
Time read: 9,04
